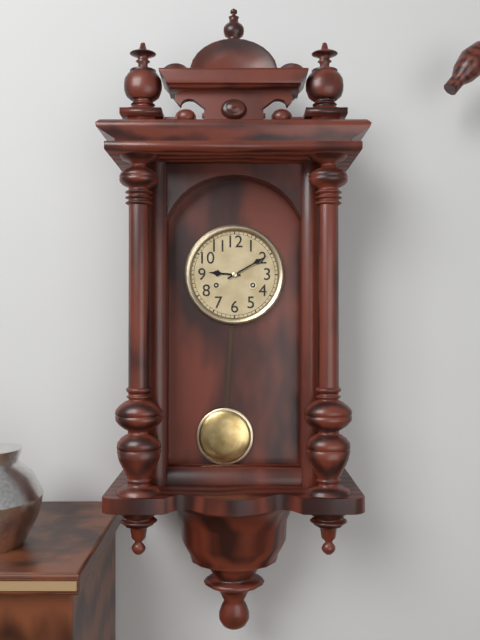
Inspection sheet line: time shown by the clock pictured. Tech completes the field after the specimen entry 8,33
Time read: 9,10
